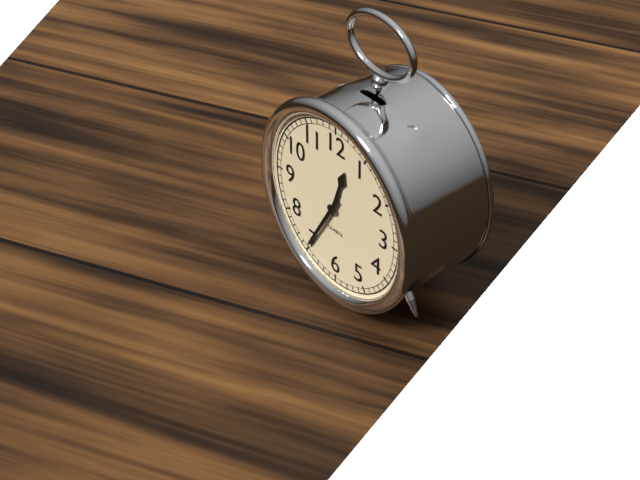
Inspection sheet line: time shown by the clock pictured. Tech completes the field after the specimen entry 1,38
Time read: 12,35
